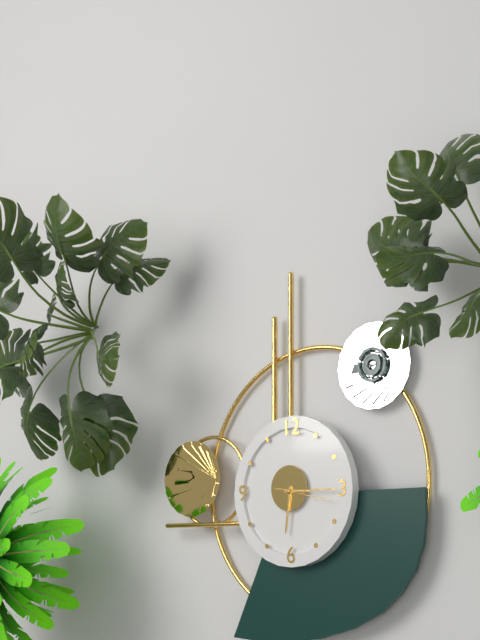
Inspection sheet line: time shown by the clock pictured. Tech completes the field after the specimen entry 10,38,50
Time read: 6,15,17
